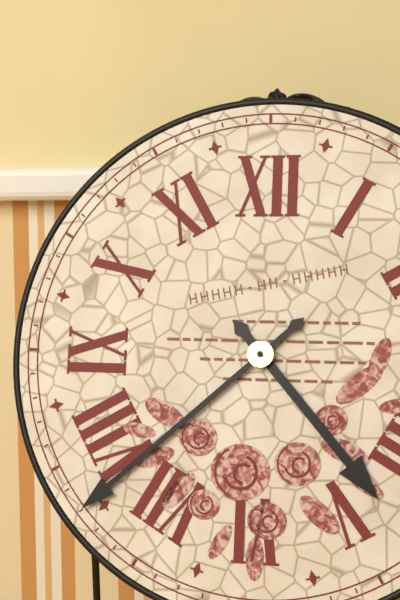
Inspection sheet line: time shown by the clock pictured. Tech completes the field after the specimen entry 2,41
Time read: 4,38
